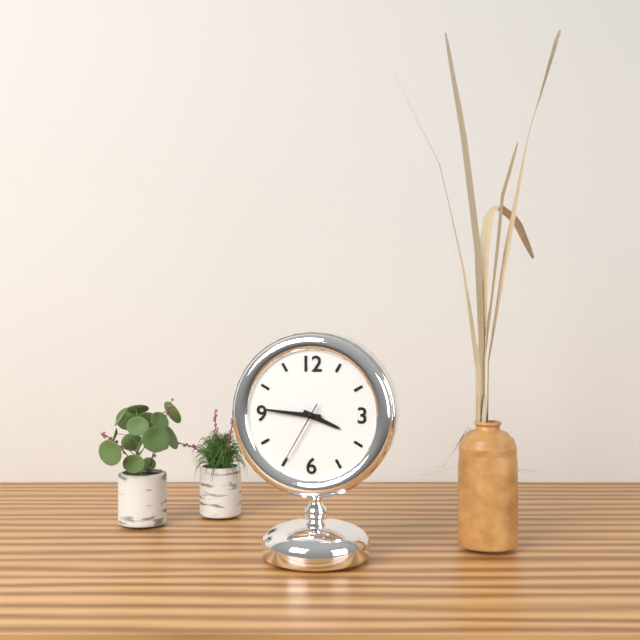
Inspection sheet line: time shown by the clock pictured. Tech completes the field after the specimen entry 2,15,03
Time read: 3,46,35
